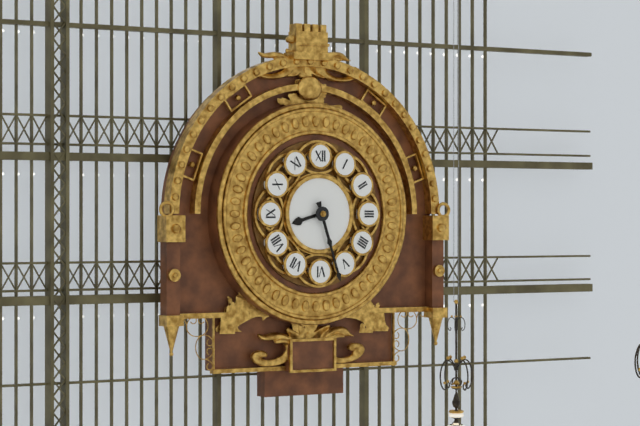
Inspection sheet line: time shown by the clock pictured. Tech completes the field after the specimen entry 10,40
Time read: 8,27
